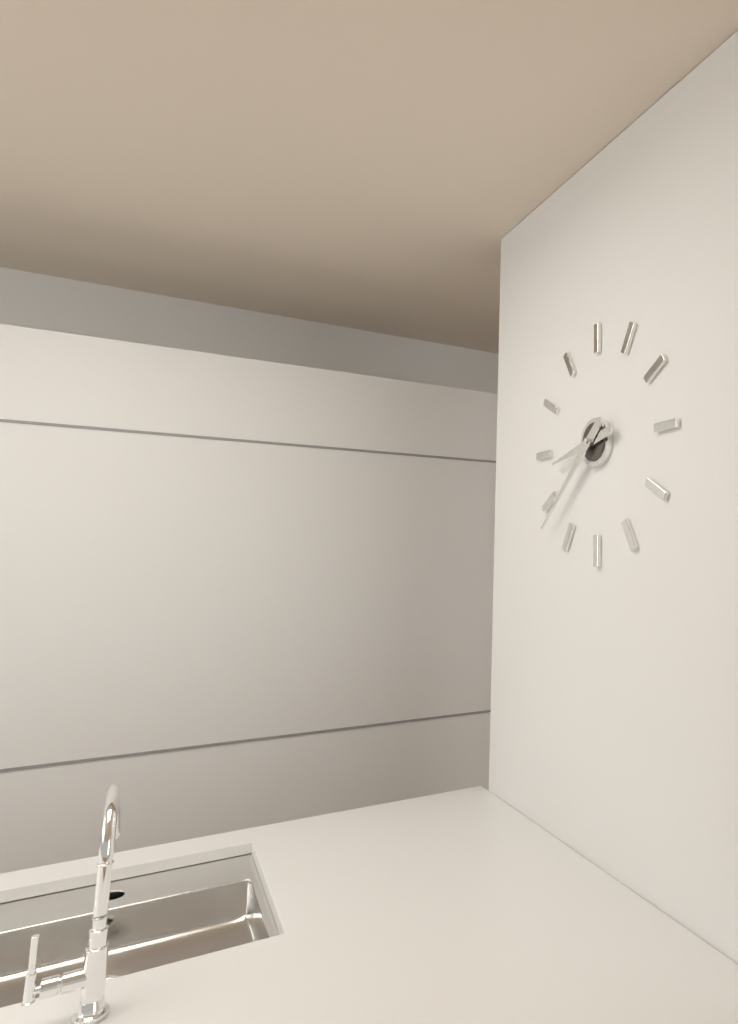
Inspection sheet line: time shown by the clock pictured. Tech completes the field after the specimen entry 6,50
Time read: 8,38
